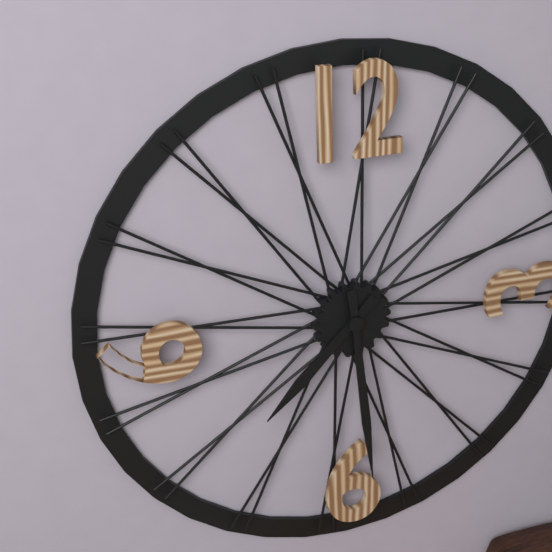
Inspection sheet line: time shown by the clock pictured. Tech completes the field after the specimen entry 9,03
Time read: 7,29
